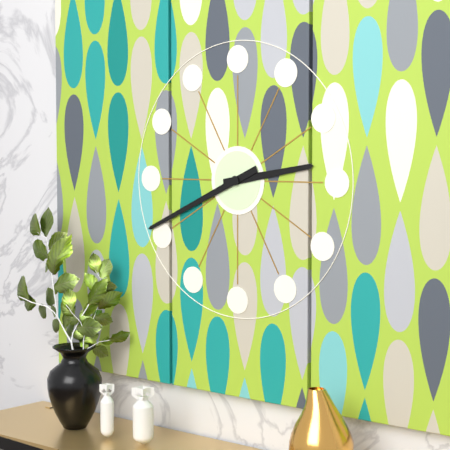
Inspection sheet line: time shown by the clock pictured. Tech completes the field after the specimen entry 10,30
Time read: 2,41
